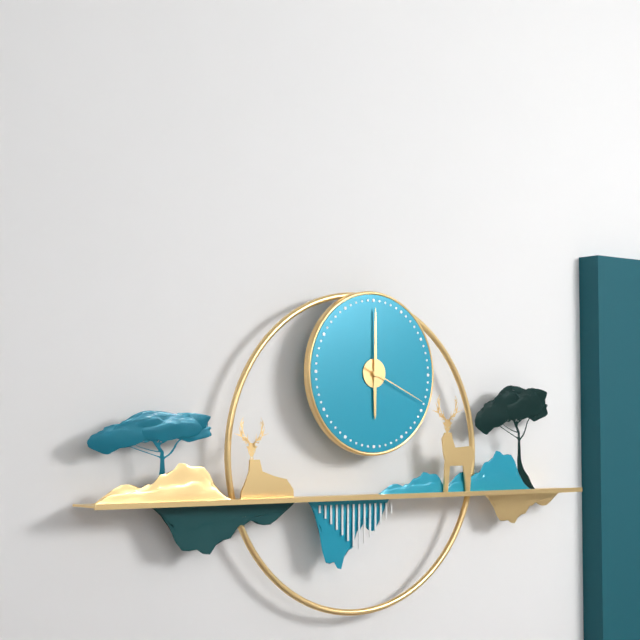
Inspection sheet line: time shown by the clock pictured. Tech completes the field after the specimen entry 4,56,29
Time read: 6,00,19
